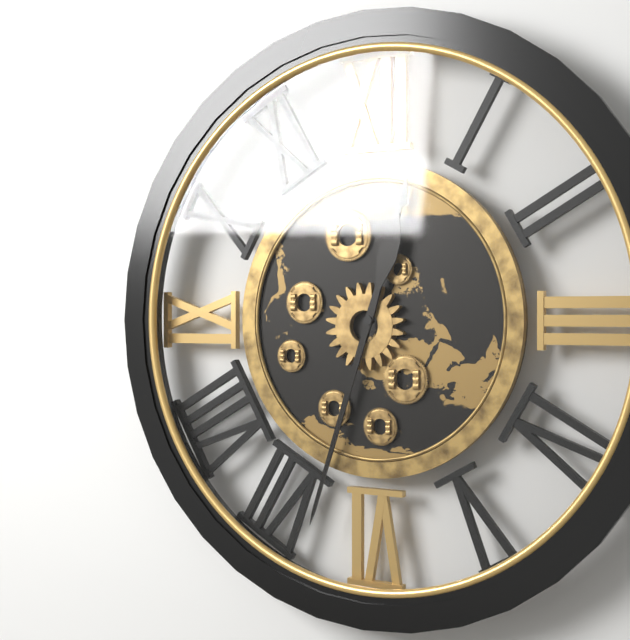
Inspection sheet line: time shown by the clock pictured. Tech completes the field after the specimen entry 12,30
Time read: 12,33
